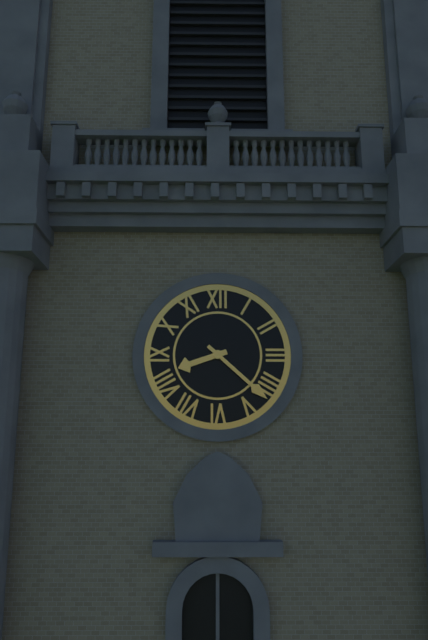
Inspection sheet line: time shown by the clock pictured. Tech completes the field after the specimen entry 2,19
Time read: 8,22
